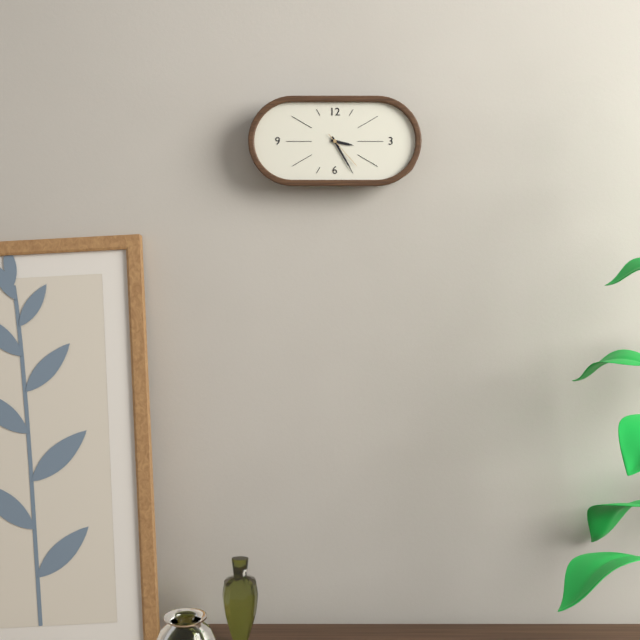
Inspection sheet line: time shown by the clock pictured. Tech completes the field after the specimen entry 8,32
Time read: 3,25
